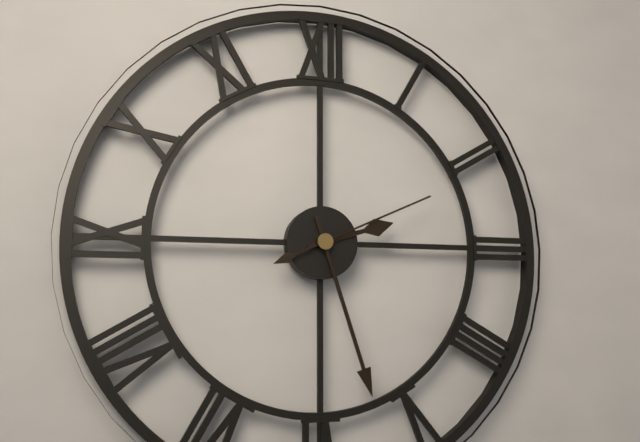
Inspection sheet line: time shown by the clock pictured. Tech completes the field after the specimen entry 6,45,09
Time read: 2,27,11
